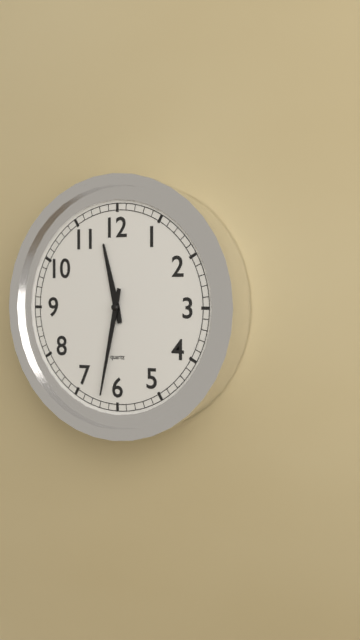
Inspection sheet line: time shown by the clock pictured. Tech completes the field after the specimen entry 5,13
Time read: 11,32
